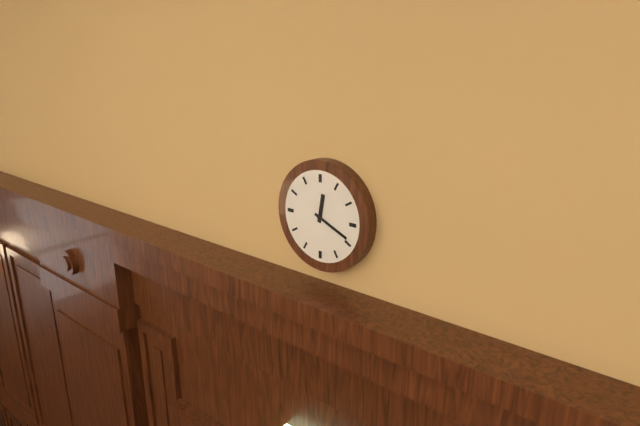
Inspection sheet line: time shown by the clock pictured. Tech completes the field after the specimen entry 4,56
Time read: 12,19
